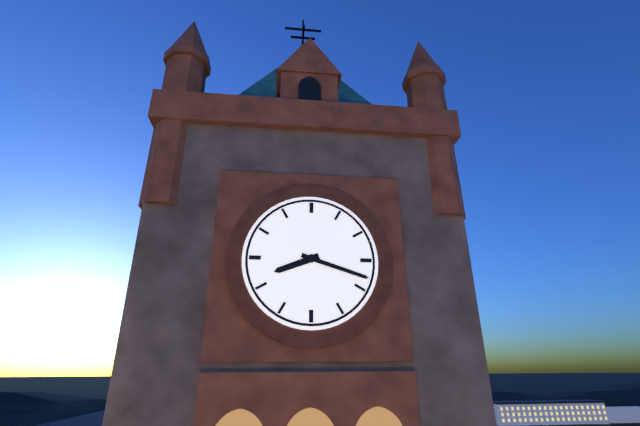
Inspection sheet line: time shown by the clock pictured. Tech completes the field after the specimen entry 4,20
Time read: 8,18
